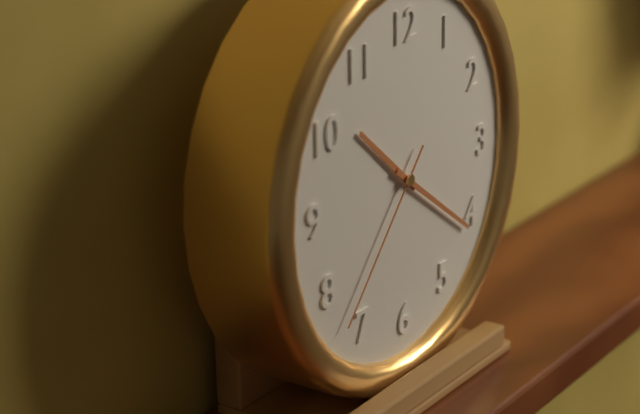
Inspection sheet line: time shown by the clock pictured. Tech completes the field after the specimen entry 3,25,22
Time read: 10,21,37
